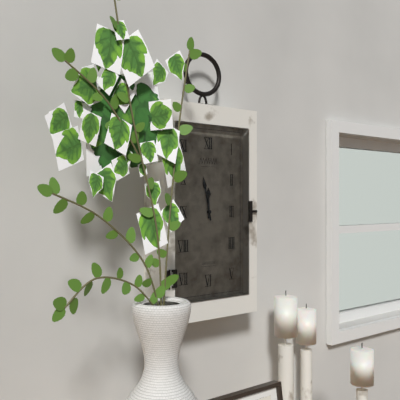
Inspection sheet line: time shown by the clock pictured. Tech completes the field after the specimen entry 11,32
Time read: 11,58
